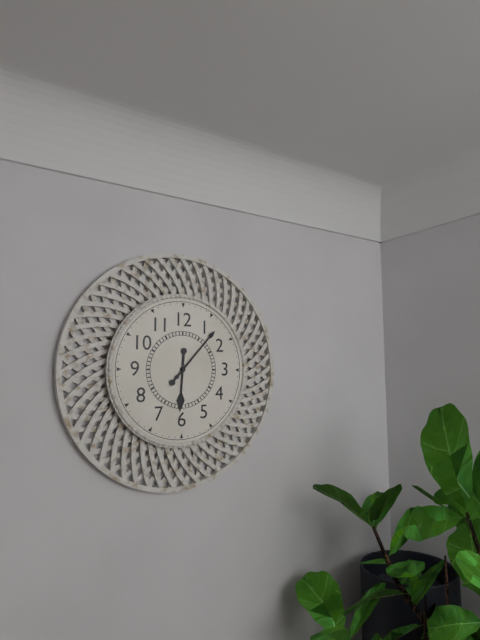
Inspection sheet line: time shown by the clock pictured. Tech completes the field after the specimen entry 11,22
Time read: 6,07
